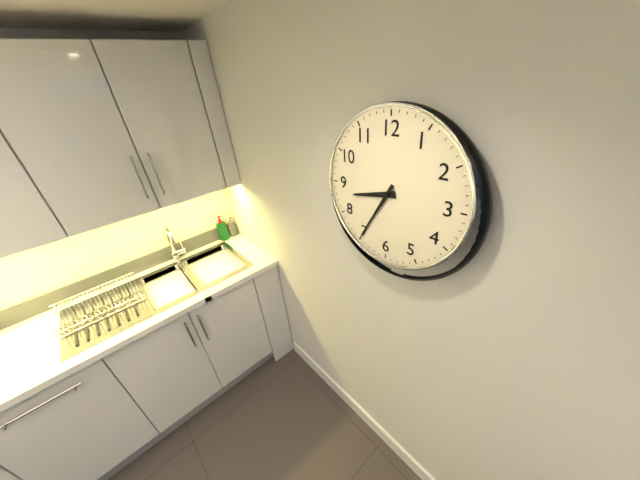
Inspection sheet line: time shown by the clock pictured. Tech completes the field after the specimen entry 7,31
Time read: 8,35
